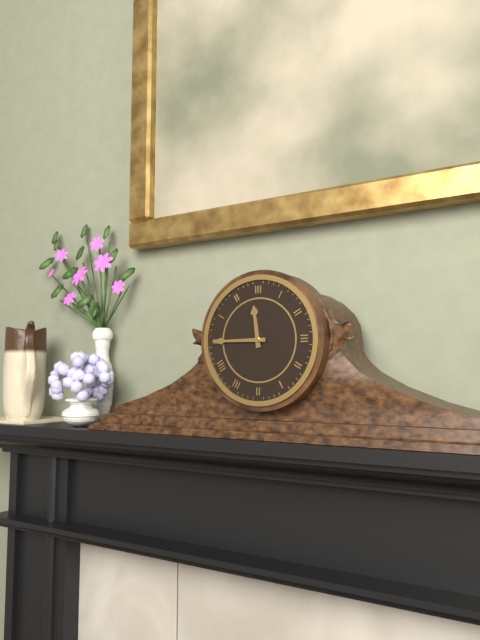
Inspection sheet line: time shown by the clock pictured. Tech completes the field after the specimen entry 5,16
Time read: 11,45
